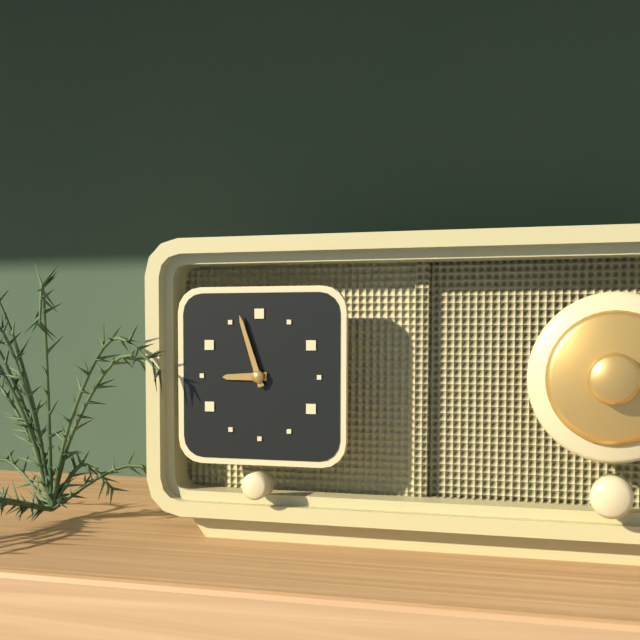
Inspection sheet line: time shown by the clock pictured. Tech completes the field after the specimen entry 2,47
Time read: 8,57
